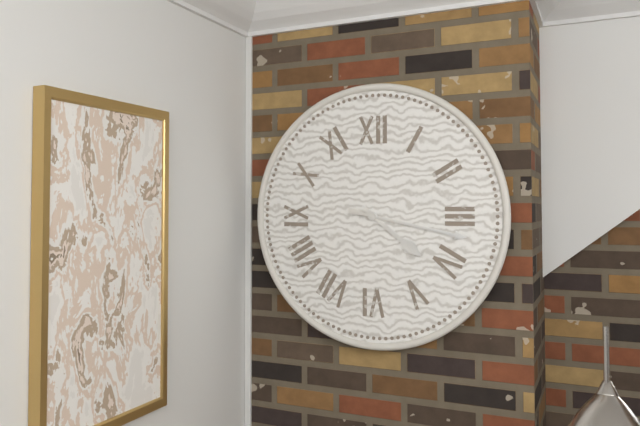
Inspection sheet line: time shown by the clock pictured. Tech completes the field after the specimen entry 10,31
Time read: 4,17
